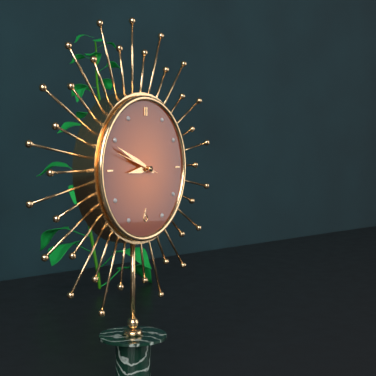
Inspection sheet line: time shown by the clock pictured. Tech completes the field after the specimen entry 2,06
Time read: 8,49
